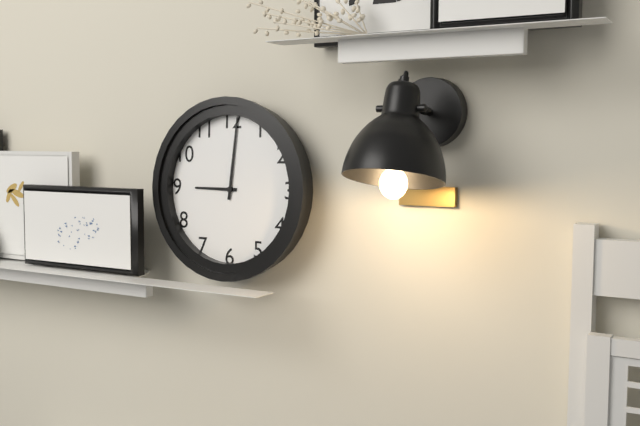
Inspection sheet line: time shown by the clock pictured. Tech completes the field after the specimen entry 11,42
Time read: 9,01
